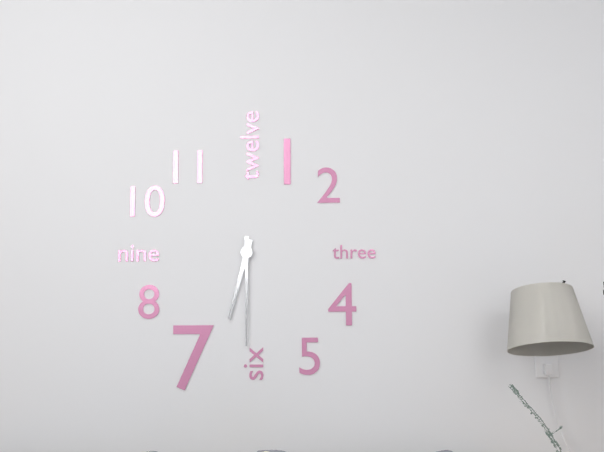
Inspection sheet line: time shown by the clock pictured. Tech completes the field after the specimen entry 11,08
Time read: 6,30
